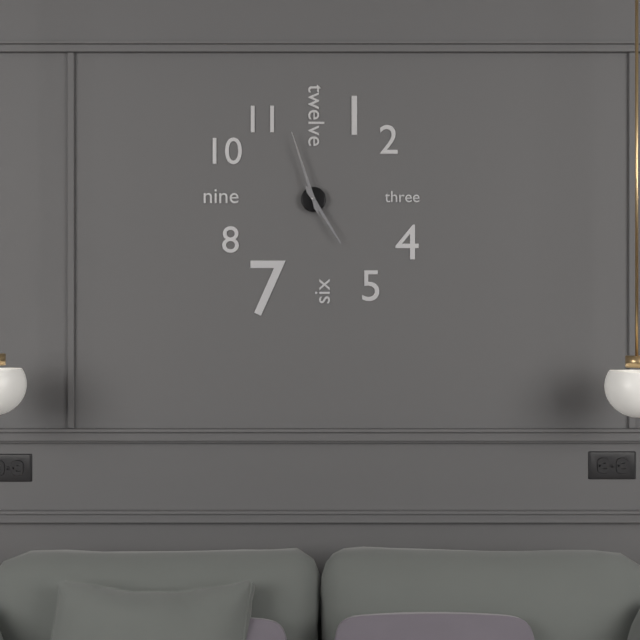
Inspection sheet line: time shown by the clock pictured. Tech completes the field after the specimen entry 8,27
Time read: 4,57
